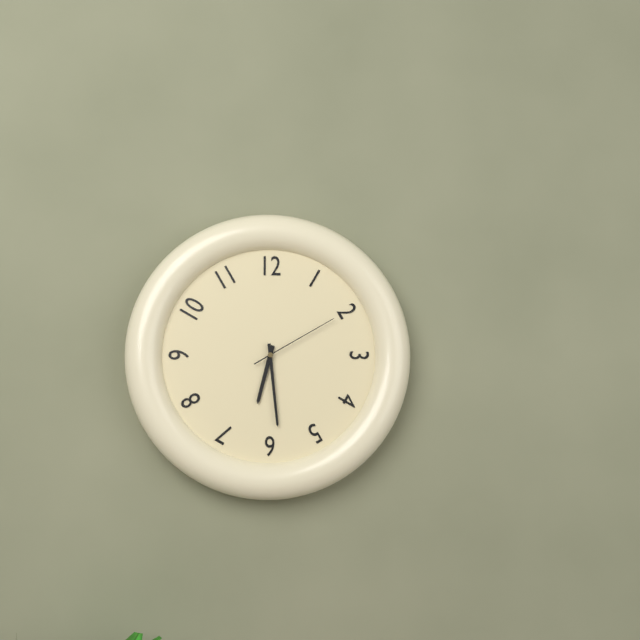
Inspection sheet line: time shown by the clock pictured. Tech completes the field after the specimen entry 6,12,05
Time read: 6,29,10
